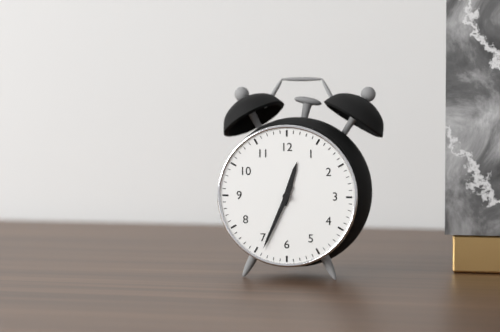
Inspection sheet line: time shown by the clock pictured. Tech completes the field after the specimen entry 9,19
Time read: 12,34
